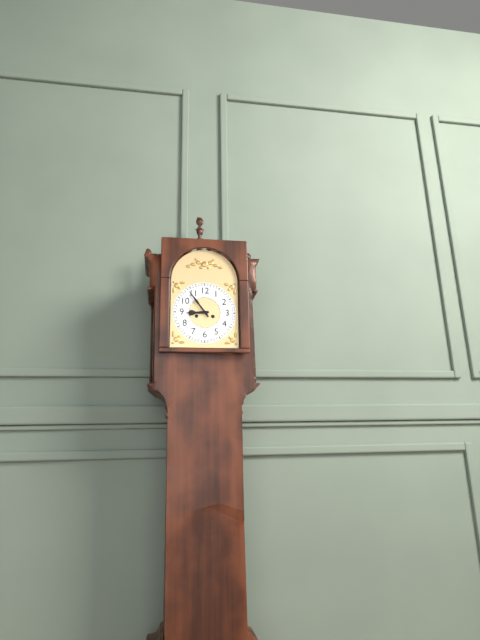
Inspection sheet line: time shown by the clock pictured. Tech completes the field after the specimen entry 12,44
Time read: 8,54
